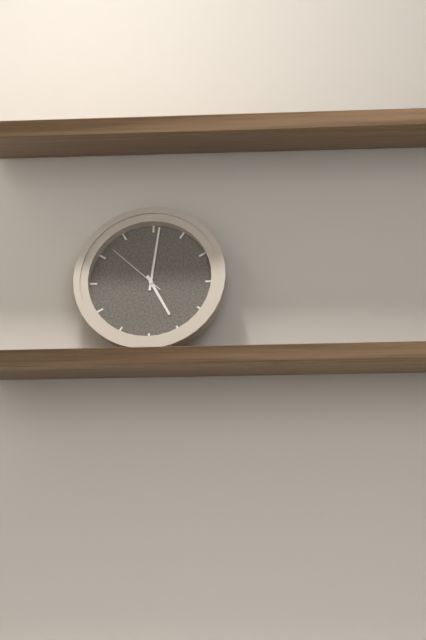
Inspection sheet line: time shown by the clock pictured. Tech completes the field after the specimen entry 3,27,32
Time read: 5,01,52
